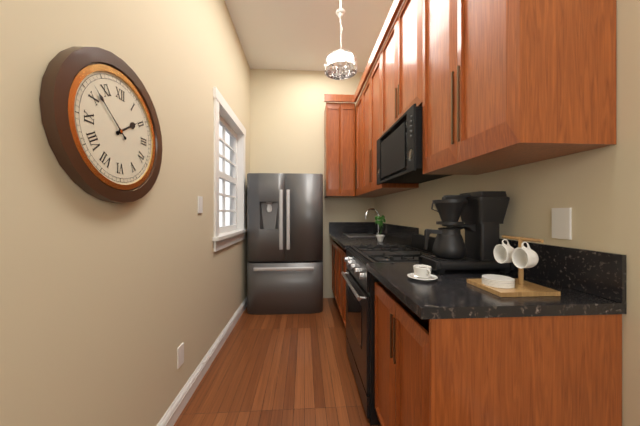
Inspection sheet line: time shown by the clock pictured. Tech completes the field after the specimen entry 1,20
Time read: 1,52
